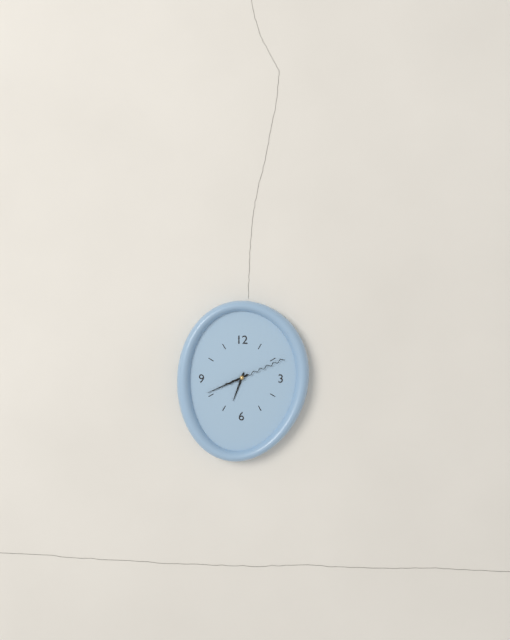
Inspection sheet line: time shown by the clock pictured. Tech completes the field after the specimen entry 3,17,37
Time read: 6,41,11
